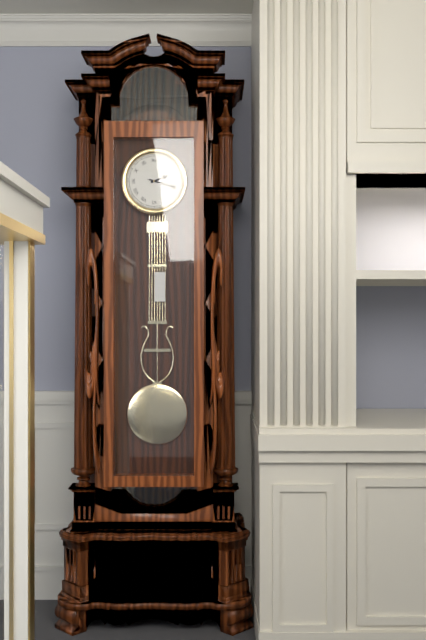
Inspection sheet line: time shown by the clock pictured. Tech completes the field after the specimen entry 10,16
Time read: 2,18
